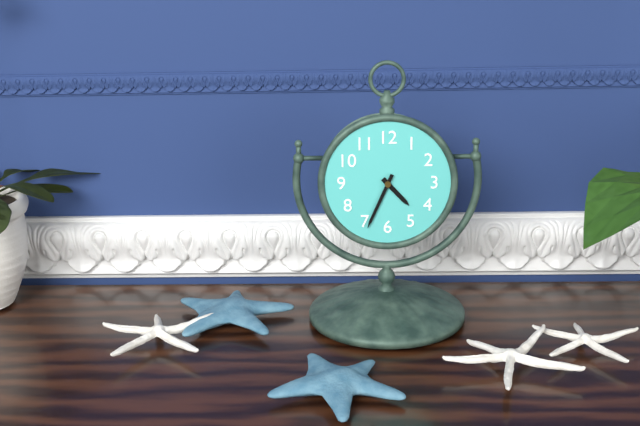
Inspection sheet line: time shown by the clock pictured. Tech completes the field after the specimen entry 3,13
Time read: 4,34
